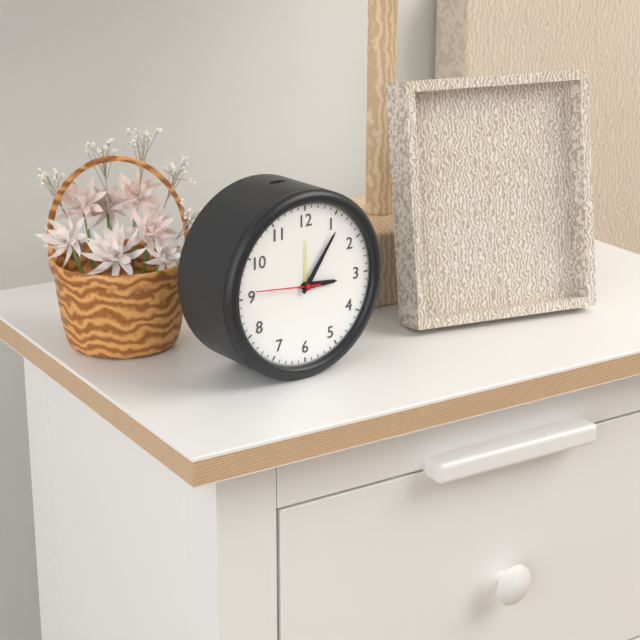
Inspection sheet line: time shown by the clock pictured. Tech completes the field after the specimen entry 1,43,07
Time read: 3,06,46
